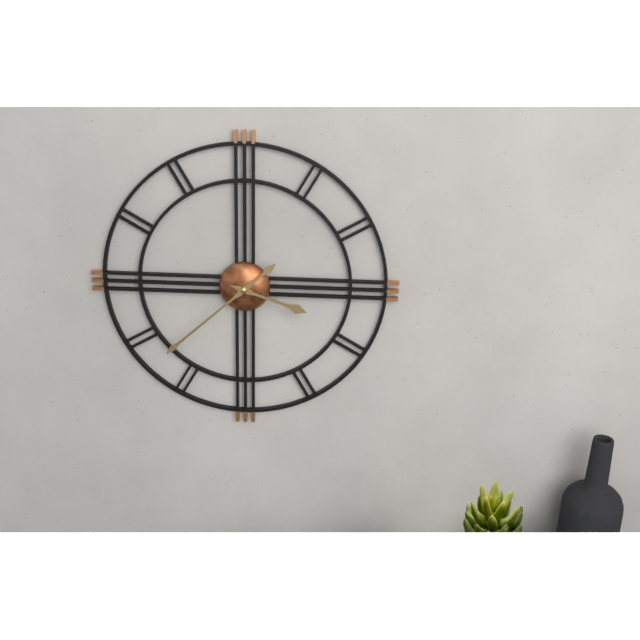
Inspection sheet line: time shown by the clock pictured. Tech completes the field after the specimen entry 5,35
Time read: 3,38
